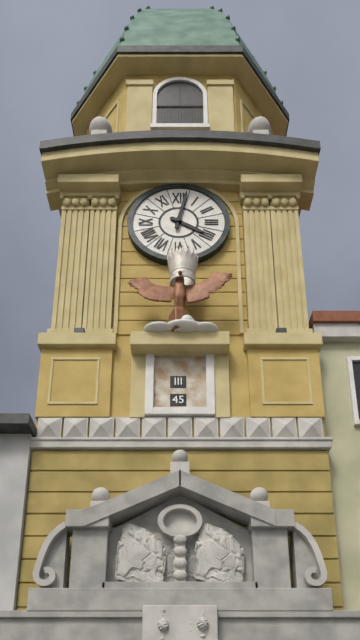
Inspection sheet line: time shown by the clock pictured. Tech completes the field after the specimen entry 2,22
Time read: 4,02
